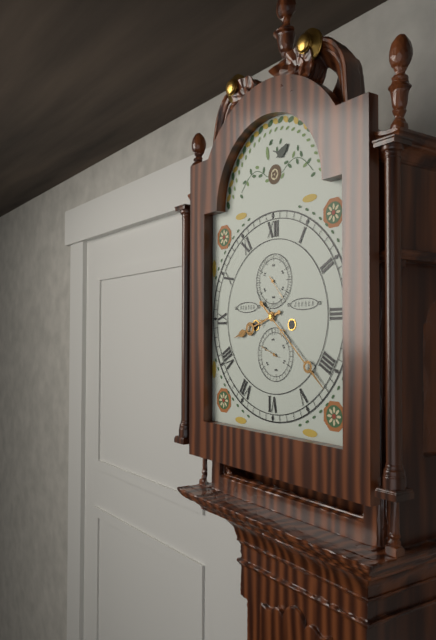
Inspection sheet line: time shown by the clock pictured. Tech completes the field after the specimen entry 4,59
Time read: 8,22
